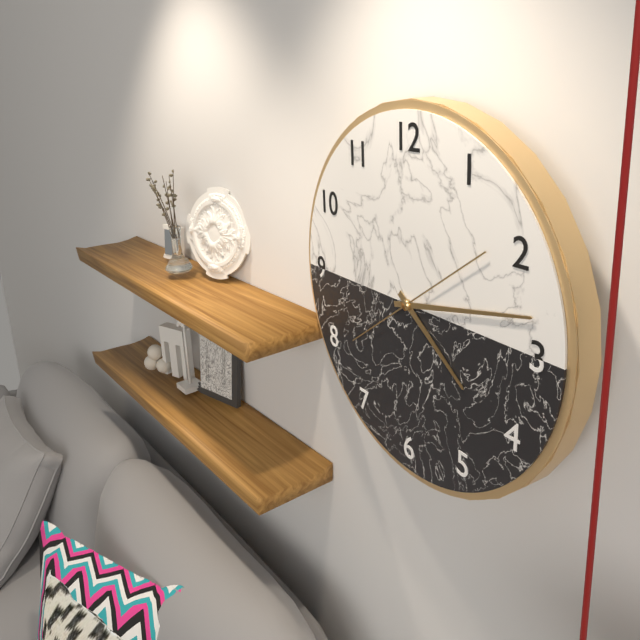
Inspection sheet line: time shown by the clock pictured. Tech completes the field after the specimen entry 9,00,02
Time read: 4,13,09
